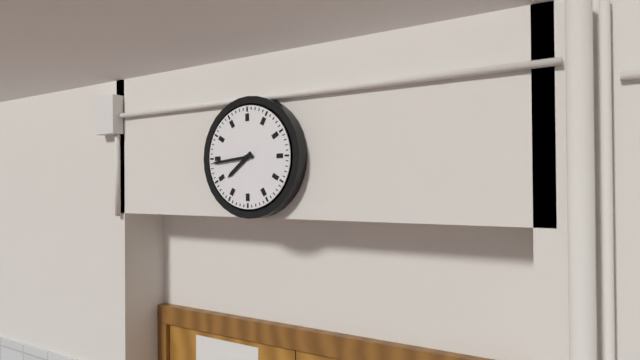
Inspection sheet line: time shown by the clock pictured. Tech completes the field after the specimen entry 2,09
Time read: 7,44
